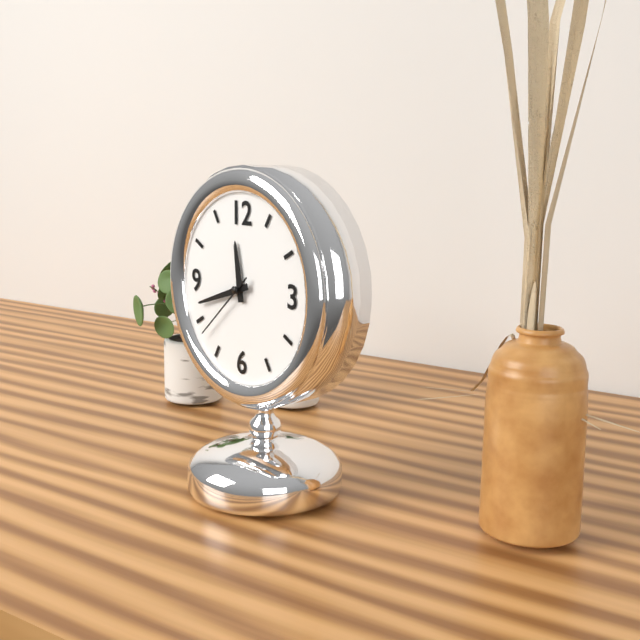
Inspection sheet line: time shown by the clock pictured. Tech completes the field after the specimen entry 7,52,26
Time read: 11,42,38
